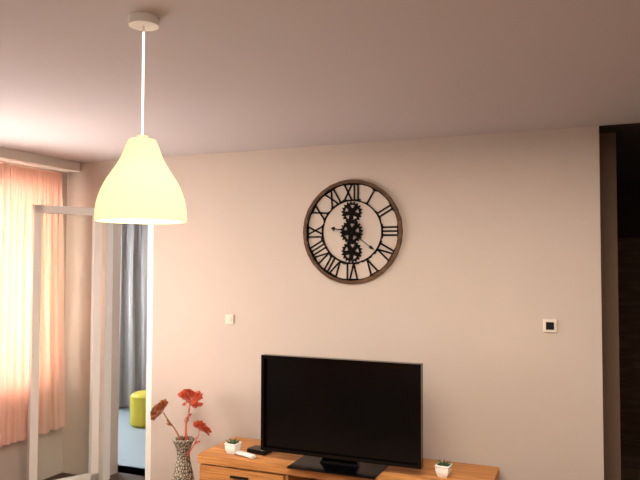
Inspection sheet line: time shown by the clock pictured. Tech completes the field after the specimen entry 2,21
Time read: 9,21
